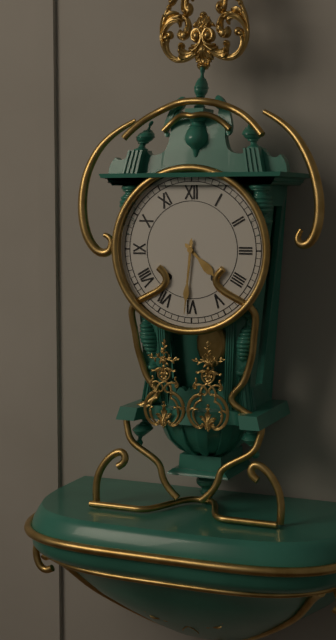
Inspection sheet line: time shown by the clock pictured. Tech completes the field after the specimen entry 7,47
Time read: 4,31
